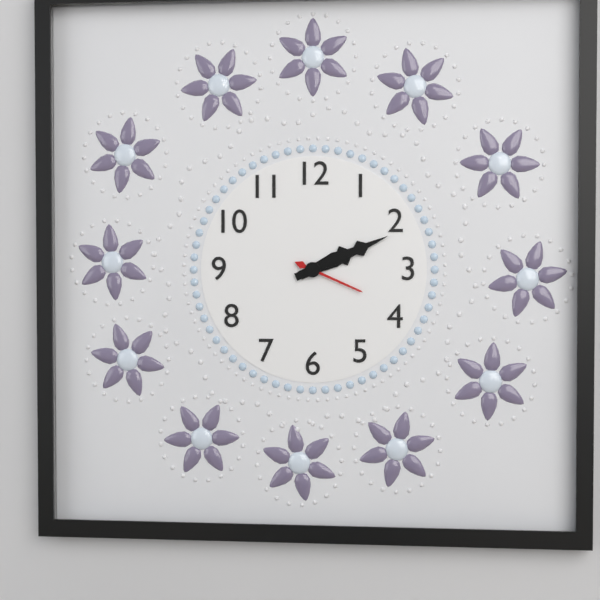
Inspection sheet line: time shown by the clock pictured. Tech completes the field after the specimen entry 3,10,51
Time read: 2,11,19
